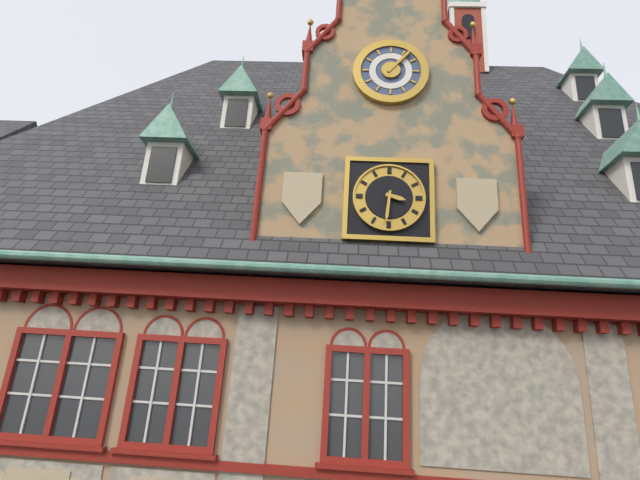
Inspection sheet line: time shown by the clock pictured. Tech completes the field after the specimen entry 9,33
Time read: 3,31
